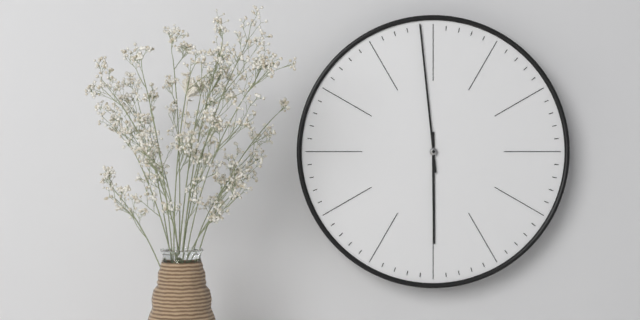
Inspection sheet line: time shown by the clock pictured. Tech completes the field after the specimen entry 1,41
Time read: 5,59
